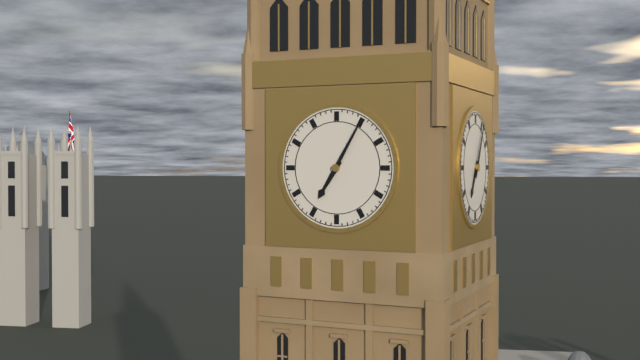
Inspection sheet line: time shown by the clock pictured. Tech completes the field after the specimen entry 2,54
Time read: 7,05
